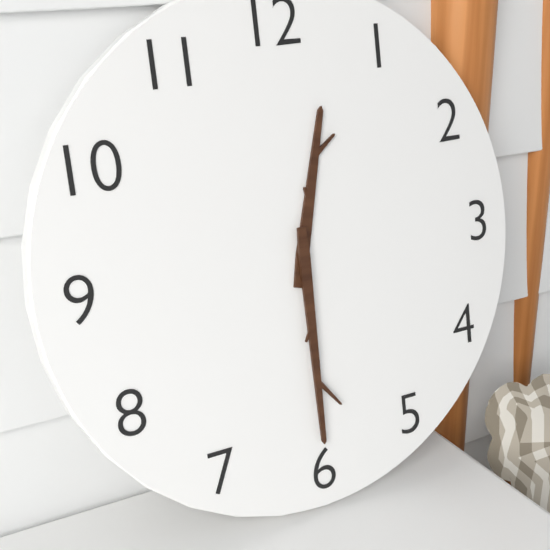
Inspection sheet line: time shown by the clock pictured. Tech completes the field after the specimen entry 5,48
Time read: 12,30
